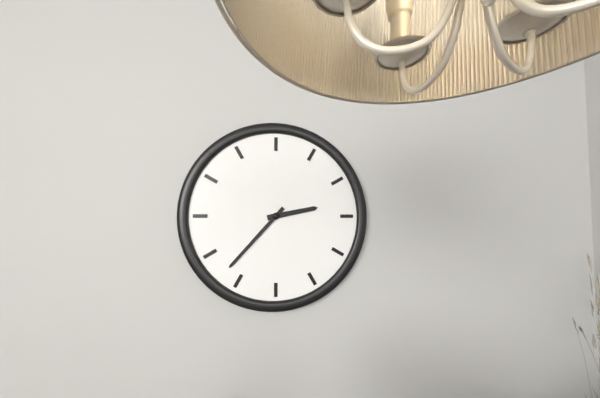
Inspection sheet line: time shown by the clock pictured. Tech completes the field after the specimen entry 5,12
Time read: 2,37
